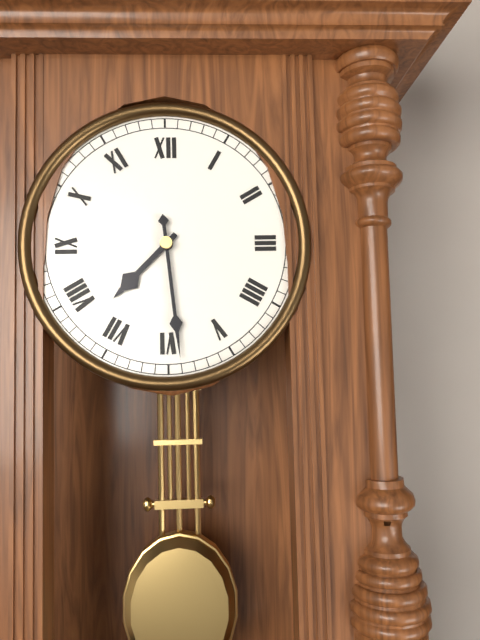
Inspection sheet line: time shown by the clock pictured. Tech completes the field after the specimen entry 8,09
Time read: 7,29
